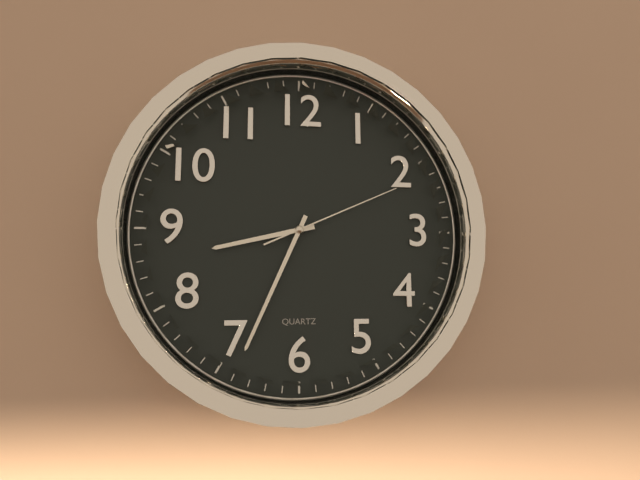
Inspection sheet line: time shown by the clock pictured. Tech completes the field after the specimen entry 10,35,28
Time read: 8,34,11
